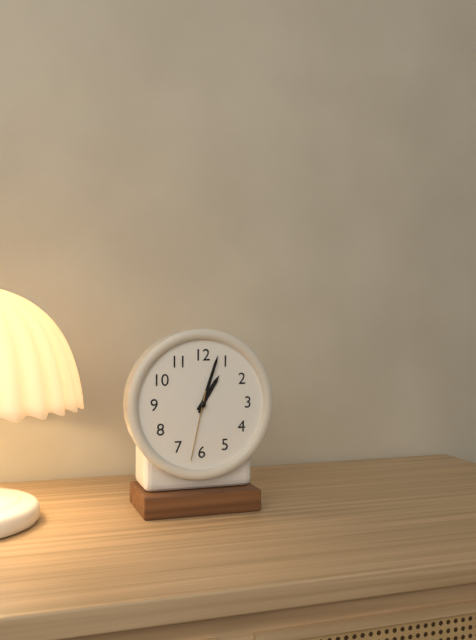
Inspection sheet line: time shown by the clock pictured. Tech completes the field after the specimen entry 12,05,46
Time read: 1,03,32
